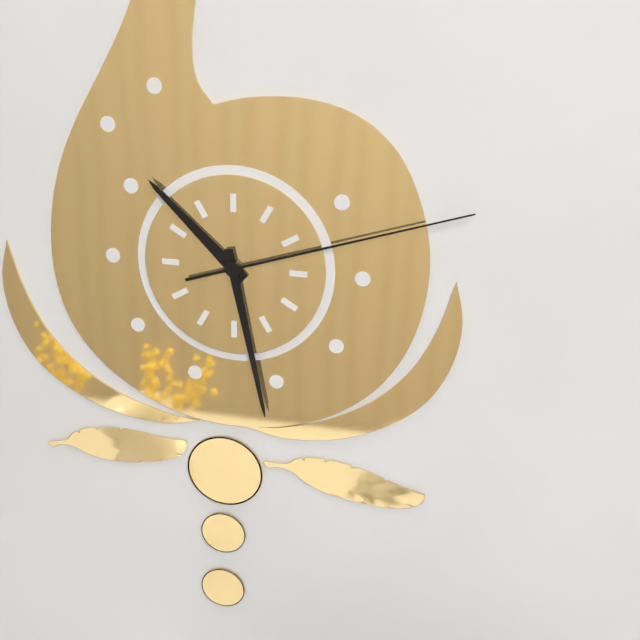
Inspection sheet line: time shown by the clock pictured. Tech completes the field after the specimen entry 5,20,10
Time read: 10,28,12
